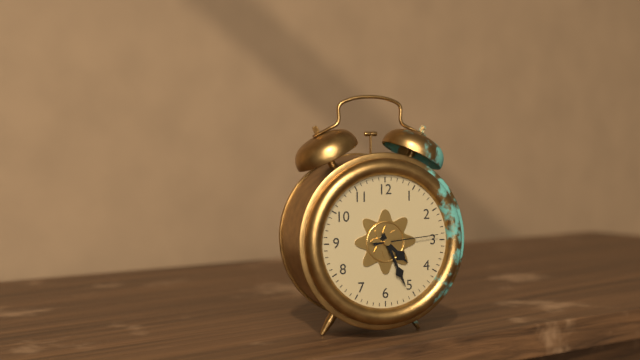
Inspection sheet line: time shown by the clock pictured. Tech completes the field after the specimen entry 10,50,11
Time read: 4,26,14
